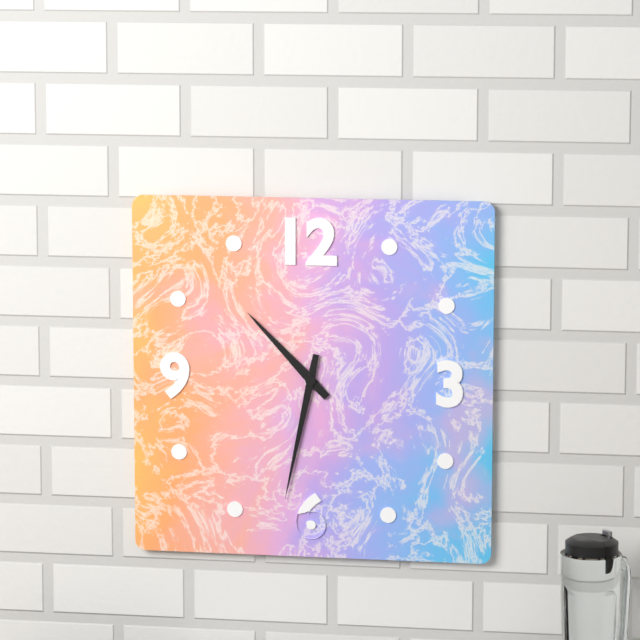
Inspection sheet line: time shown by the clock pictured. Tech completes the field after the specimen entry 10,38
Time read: 10,32
